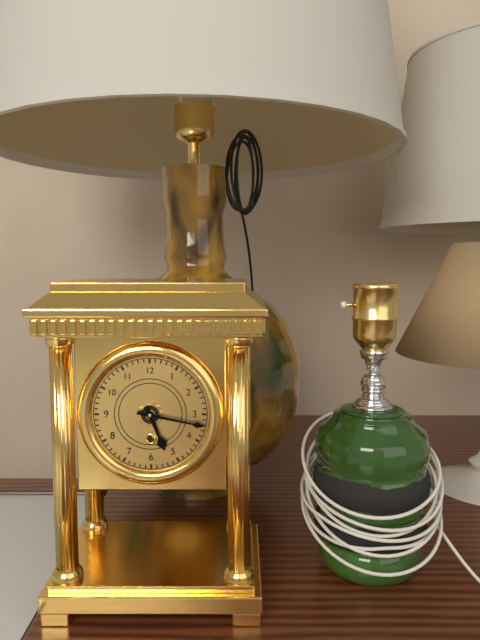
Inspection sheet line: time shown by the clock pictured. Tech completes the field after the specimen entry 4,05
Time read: 5,17
